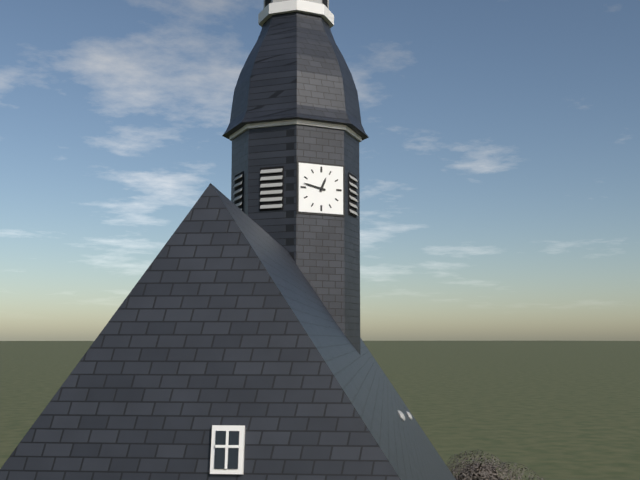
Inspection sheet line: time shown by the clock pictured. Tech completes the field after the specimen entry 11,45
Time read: 12,47
